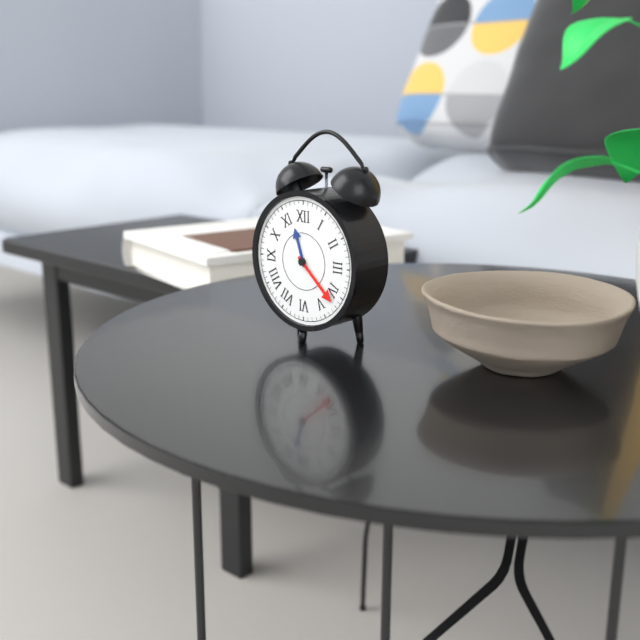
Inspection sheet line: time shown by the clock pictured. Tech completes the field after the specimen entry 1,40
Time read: 11,22
